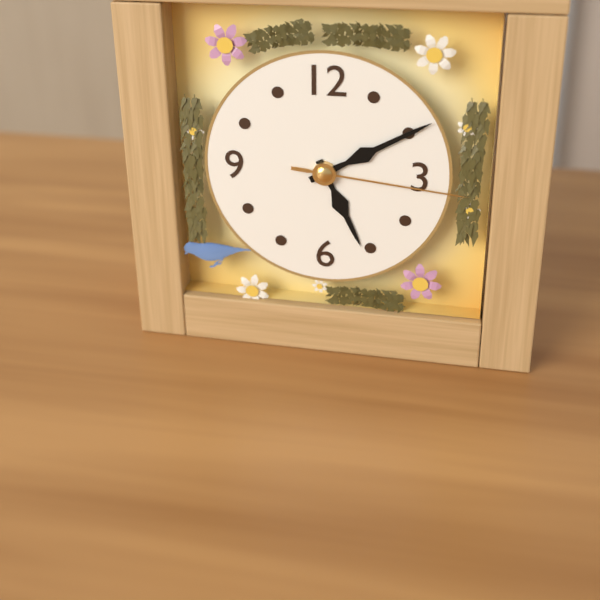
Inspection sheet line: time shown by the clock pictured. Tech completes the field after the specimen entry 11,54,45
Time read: 5,10,16
